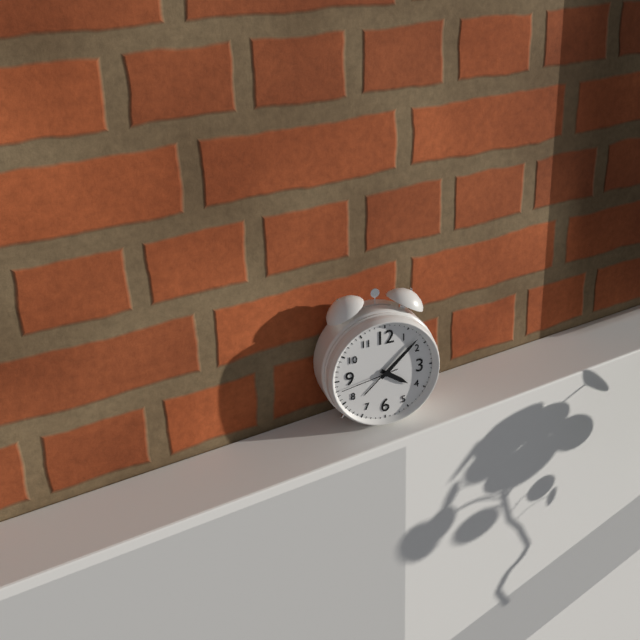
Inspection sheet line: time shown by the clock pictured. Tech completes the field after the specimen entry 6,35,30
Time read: 4,08,43
